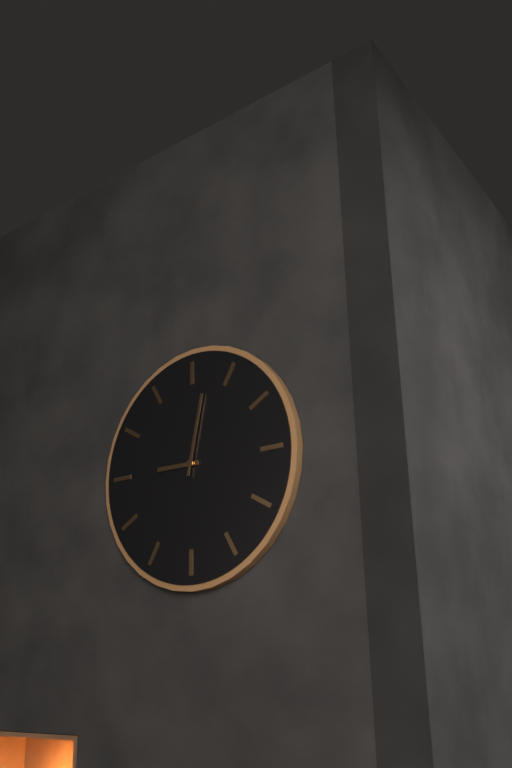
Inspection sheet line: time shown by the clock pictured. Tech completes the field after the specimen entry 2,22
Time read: 9,02
